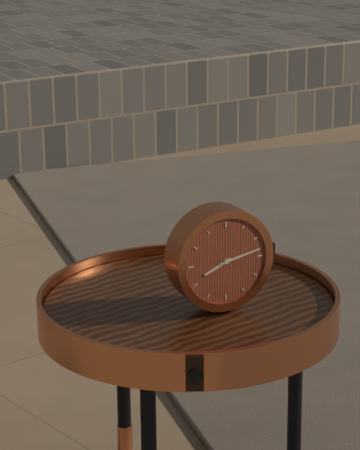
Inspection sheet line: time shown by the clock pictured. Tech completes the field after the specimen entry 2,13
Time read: 8,13
